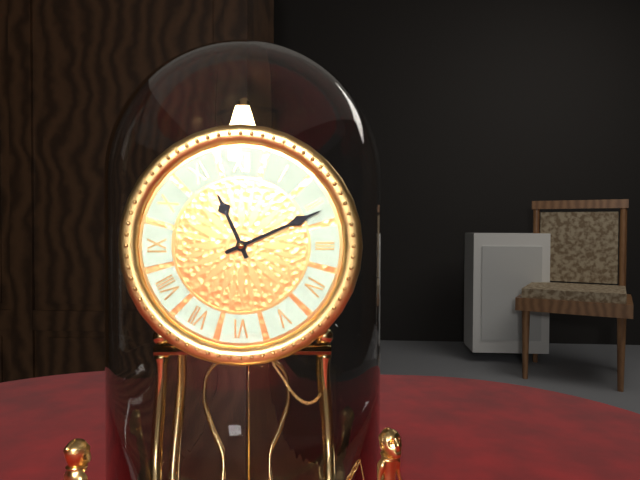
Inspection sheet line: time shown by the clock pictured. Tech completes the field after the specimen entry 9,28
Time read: 11,11
